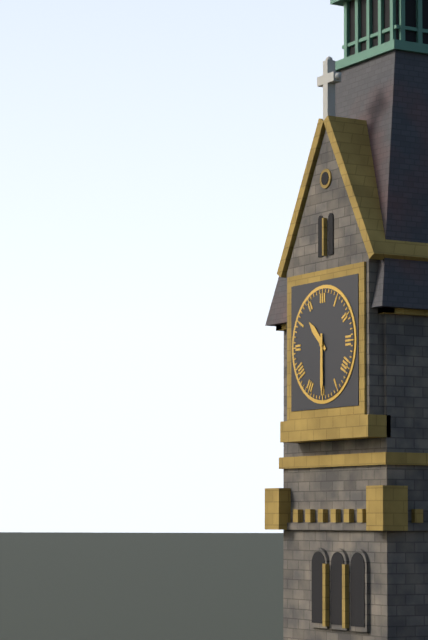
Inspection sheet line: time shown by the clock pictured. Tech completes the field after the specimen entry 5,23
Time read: 10,30
